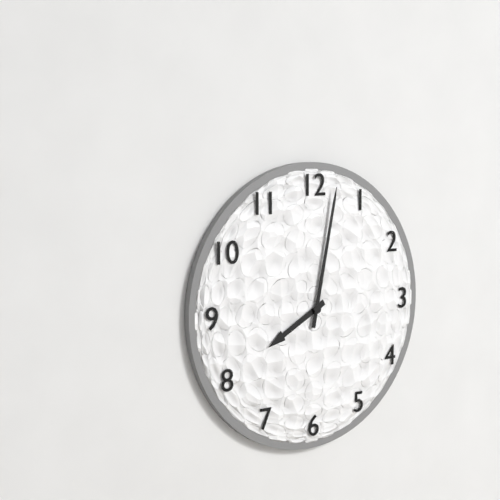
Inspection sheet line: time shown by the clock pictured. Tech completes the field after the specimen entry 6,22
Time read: 8,02
